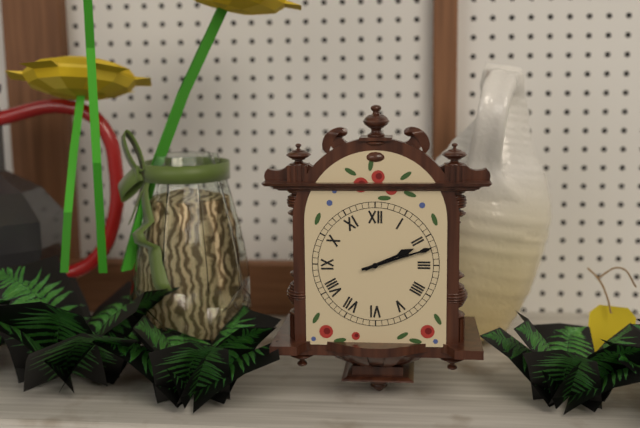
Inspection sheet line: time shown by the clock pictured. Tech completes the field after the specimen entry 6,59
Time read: 2,12
